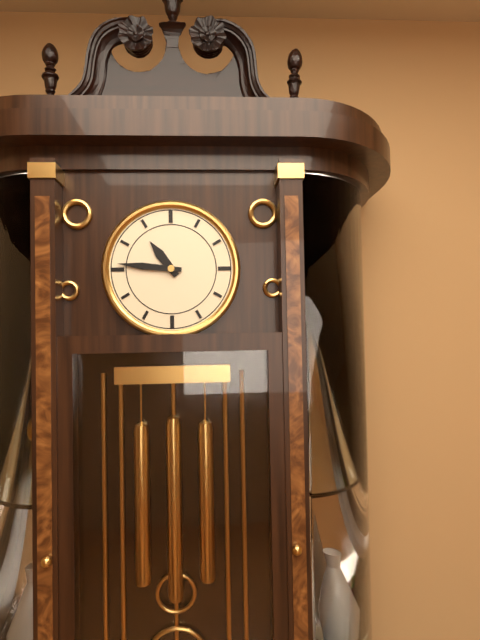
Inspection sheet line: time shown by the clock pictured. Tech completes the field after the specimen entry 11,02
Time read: 10,46
